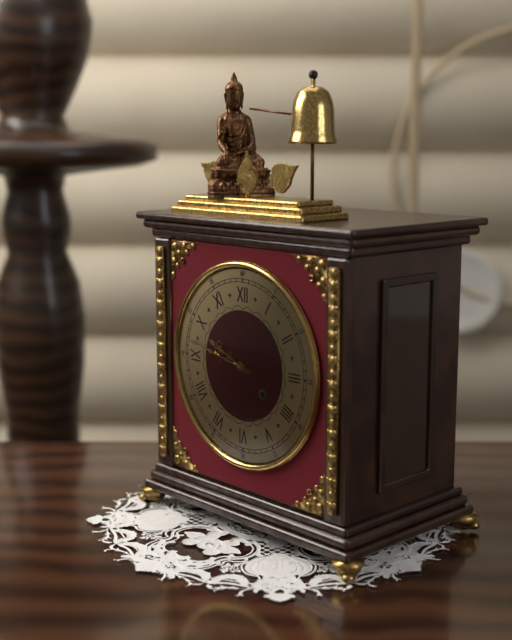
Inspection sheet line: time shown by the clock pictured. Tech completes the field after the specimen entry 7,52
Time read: 9,47
